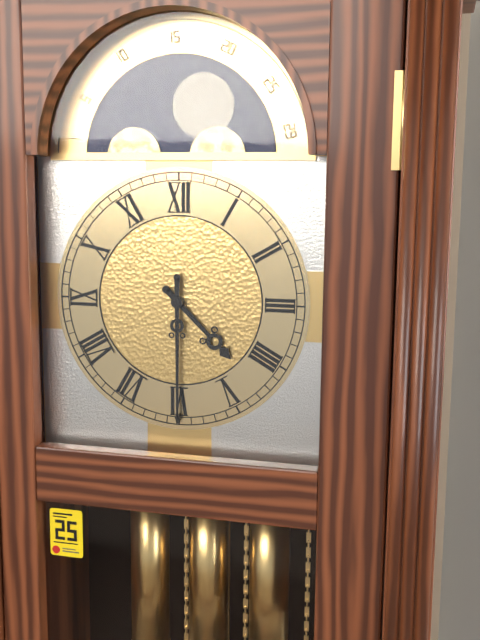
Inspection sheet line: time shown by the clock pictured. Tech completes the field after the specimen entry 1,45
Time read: 4,30
